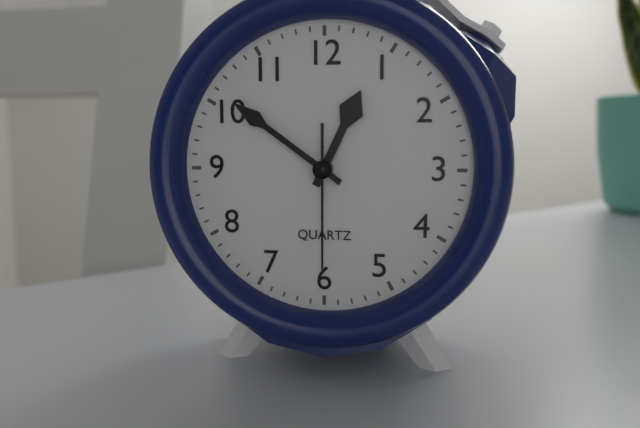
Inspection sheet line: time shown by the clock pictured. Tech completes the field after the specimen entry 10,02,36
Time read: 12,51,30
